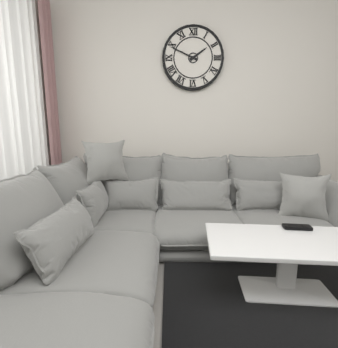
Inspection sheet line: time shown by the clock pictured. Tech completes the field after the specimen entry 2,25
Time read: 1,49
